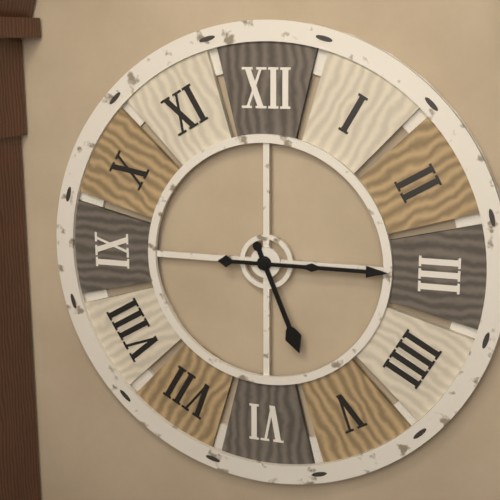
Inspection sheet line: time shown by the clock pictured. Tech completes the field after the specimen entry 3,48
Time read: 5,15
